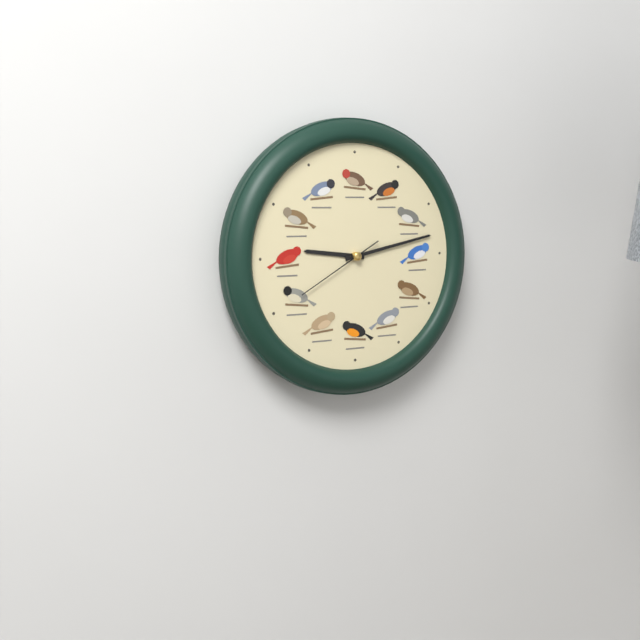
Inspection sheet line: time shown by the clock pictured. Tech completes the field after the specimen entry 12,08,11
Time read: 9,13,40
